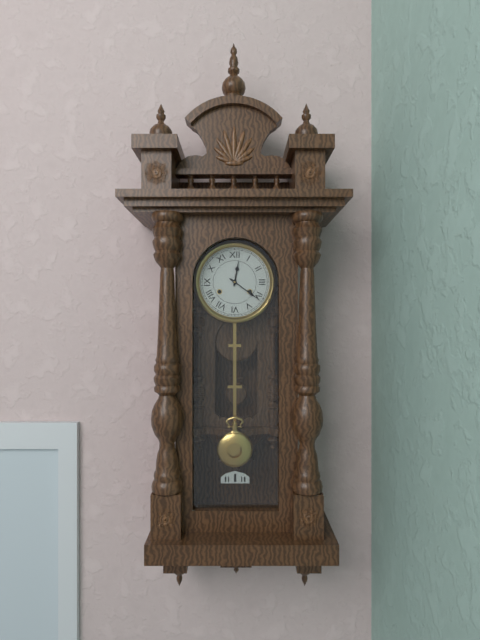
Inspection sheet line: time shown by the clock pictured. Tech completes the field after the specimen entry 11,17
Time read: 12,21
